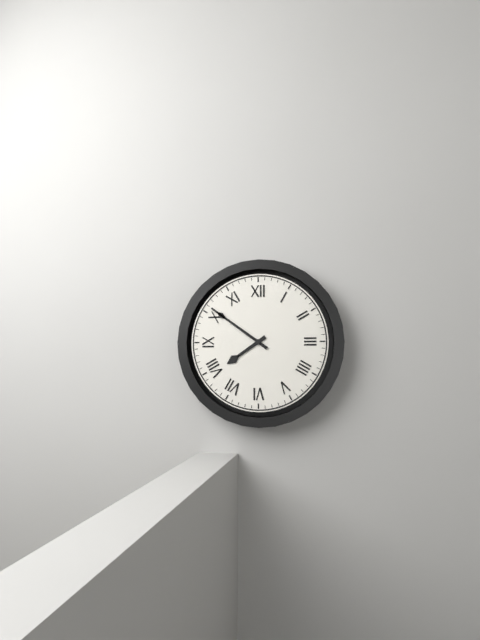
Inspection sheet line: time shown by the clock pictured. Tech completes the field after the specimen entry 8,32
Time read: 7,51
